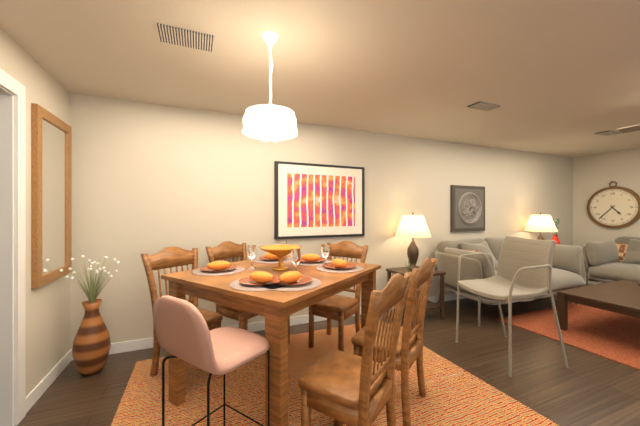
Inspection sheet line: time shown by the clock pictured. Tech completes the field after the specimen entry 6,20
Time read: 4,37
